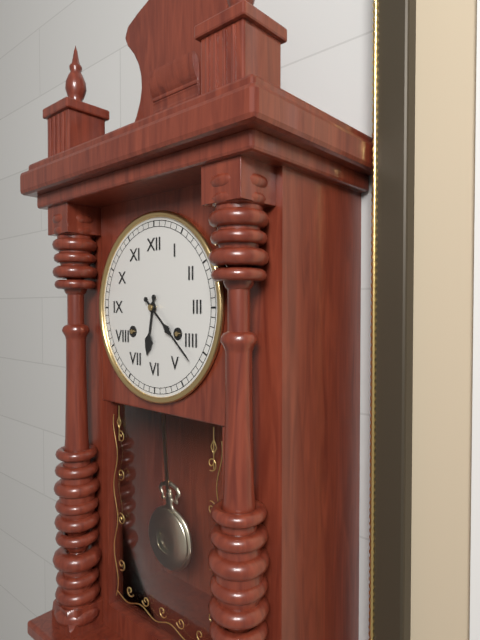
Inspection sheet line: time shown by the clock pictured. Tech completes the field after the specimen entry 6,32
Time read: 6,22
